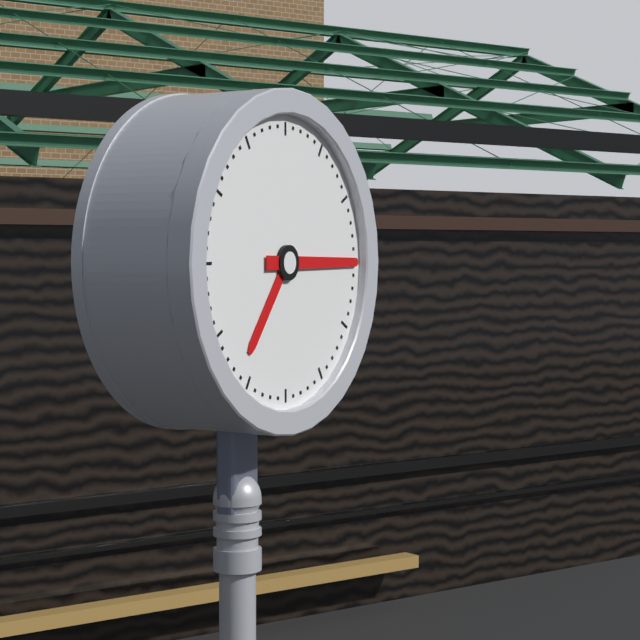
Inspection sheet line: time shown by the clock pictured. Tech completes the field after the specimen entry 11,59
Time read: 7,15
